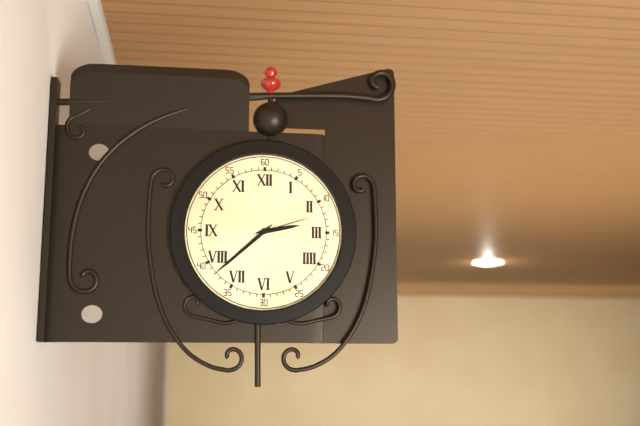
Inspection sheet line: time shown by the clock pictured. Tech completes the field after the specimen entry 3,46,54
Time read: 2,38,12
